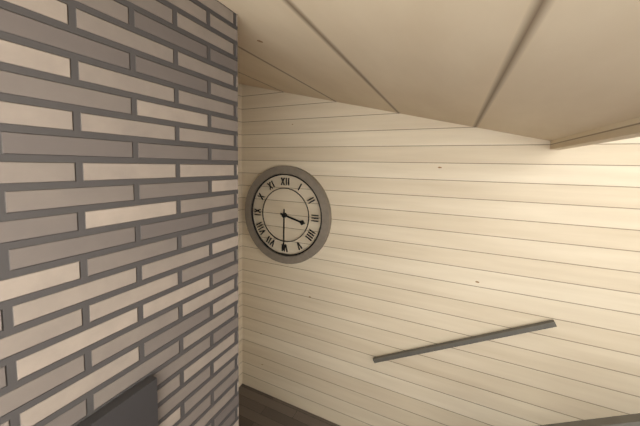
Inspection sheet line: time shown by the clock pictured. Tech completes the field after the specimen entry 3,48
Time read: 3,30
